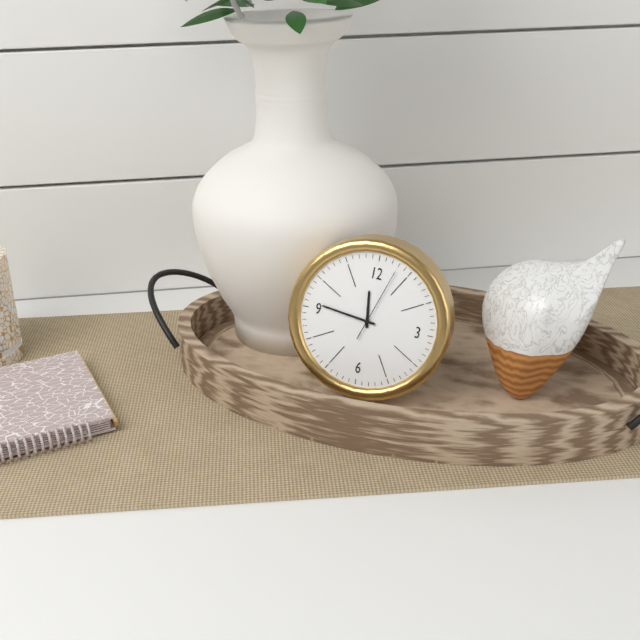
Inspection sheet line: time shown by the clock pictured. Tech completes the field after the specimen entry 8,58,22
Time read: 11,46,03
